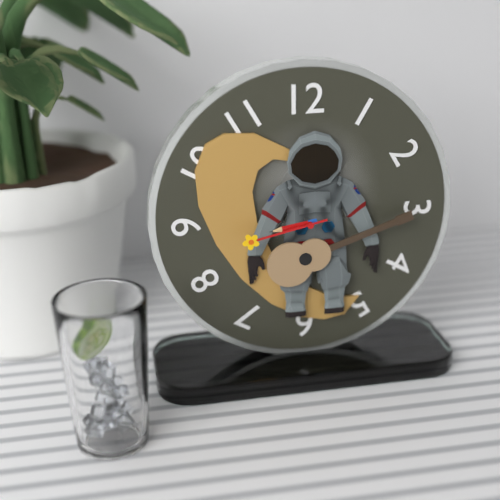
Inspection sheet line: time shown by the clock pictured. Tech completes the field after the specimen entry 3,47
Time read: 8,43
